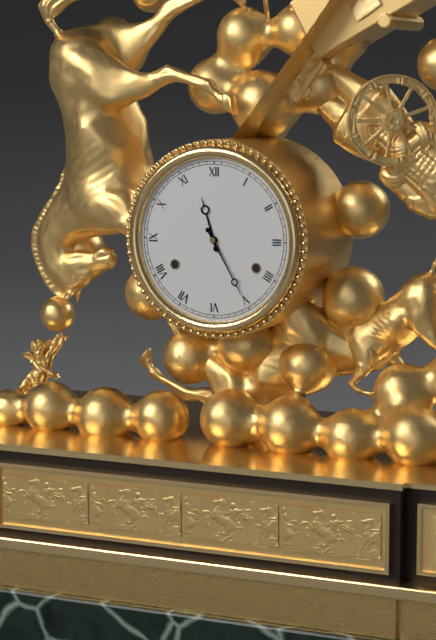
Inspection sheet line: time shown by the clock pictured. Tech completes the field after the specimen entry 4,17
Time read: 11,25
